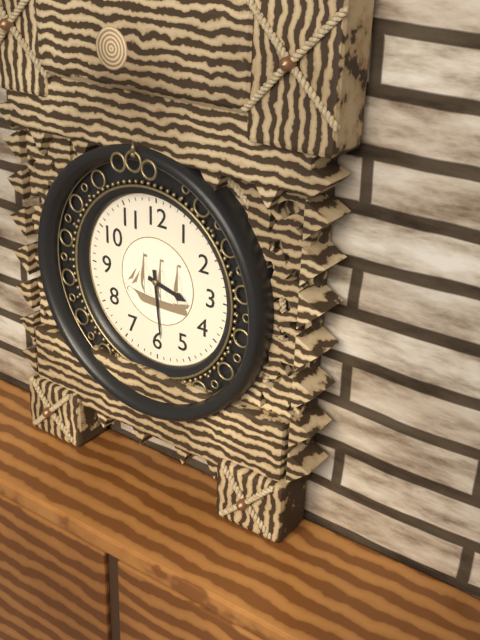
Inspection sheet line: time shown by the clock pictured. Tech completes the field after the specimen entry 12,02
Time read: 3,29
